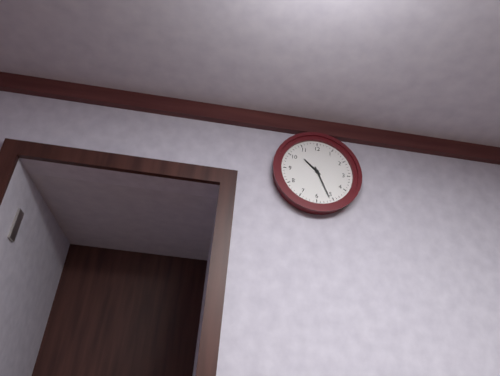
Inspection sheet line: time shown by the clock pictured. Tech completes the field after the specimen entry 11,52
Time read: 10,26
